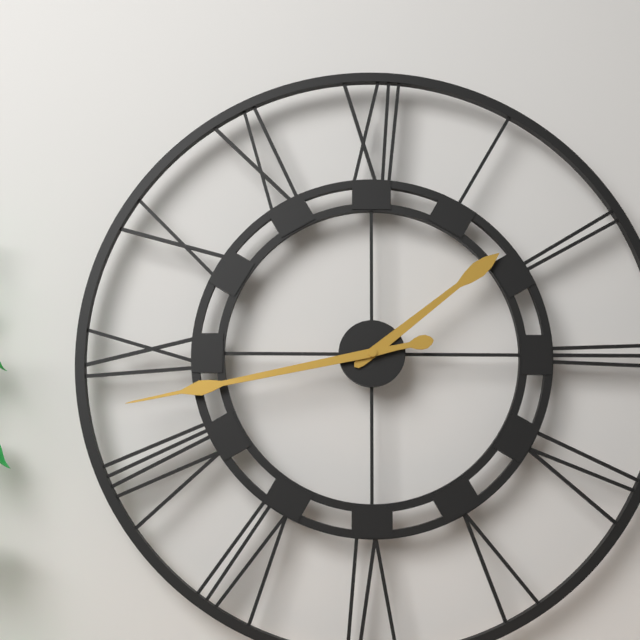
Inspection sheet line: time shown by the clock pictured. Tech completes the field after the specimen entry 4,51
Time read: 1,43
